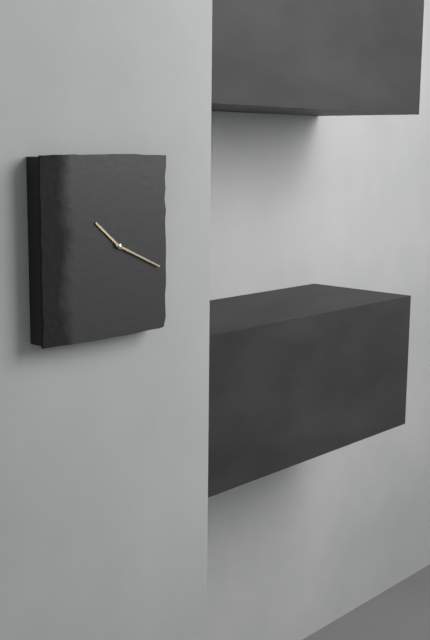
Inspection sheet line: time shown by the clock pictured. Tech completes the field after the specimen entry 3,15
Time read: 10,19
